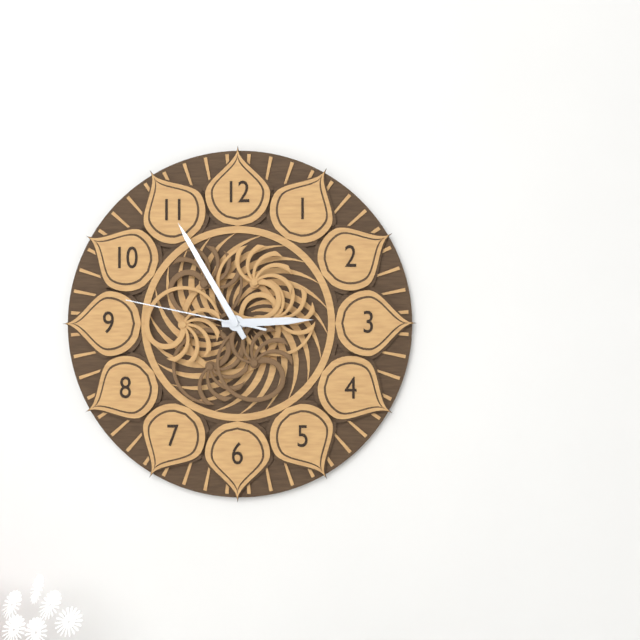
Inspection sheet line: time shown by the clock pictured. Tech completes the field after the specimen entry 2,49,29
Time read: 2,55,47
